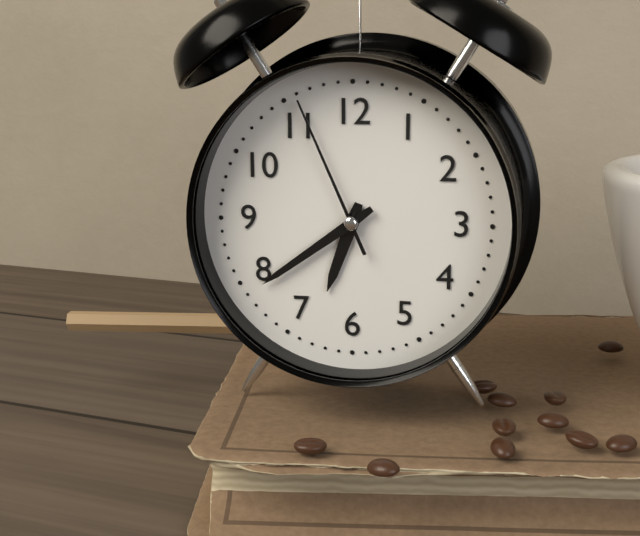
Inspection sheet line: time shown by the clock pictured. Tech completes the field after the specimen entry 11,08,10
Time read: 6,39,56
